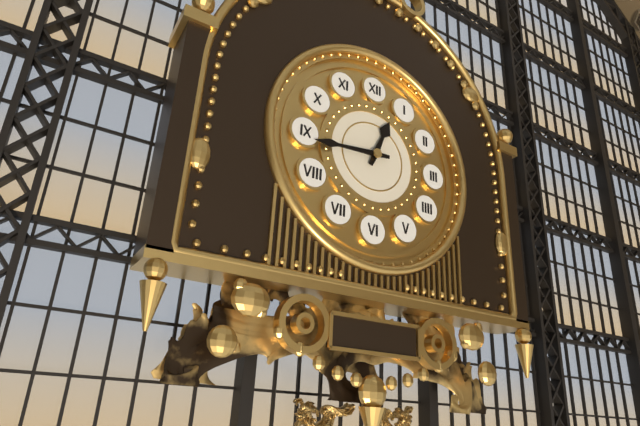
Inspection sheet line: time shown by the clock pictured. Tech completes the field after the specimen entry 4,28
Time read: 12,44
